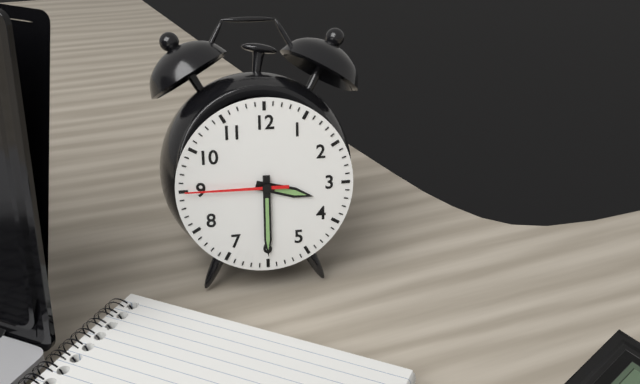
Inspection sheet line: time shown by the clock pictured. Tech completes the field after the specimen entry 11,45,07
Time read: 3,30,45
